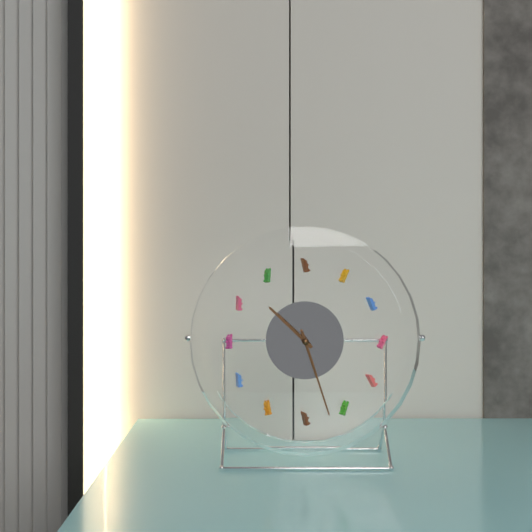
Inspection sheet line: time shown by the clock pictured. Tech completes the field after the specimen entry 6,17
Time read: 10,27
